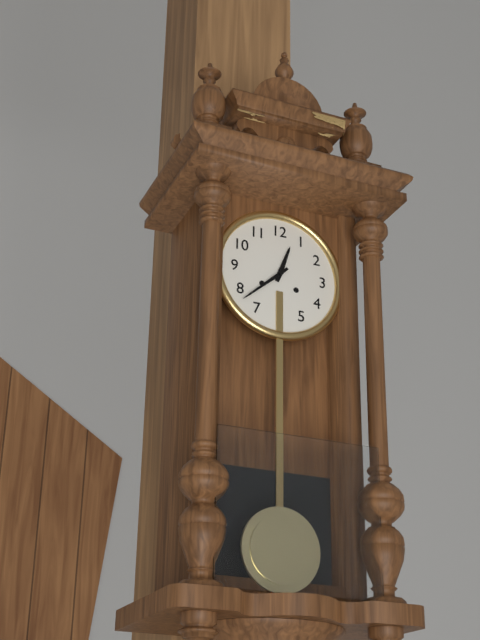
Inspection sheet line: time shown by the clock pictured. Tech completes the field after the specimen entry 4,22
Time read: 12,38
